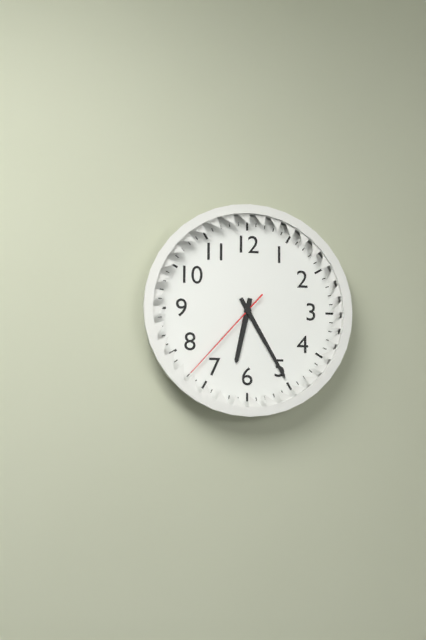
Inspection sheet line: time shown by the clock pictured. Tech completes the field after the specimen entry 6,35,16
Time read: 6,25,37
